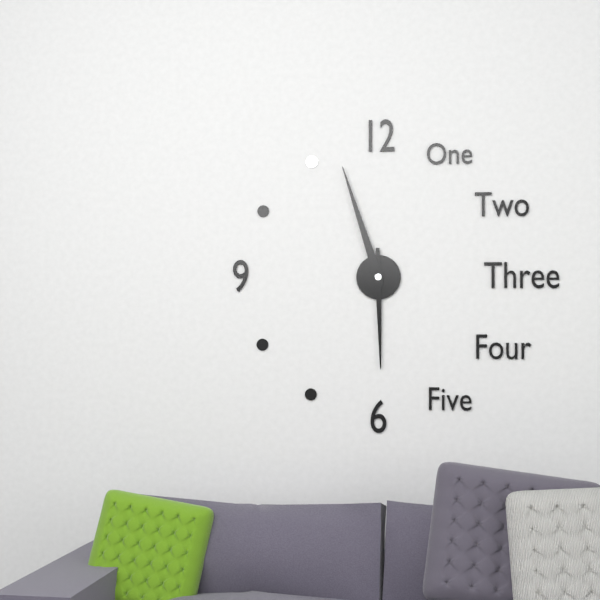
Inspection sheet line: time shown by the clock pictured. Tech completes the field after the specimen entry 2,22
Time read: 5,57
